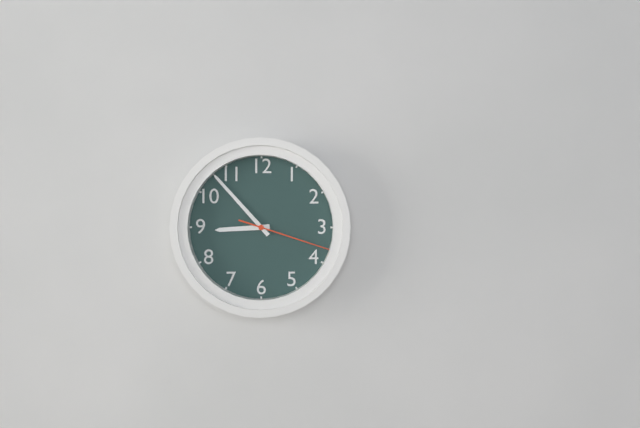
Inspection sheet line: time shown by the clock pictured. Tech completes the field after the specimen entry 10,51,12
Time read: 8,53,18
